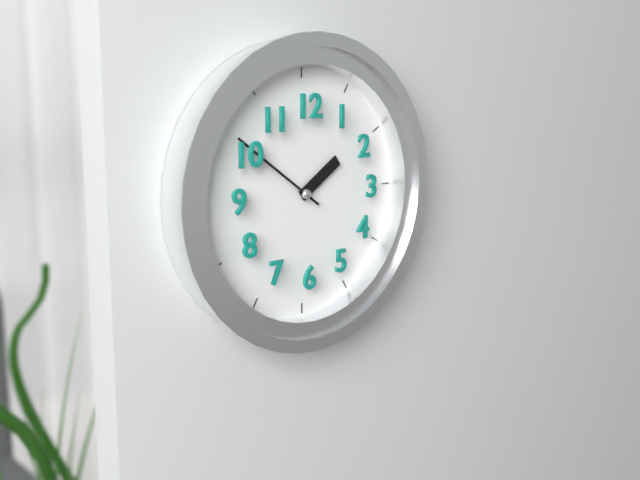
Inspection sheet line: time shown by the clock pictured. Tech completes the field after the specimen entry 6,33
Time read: 1,51
